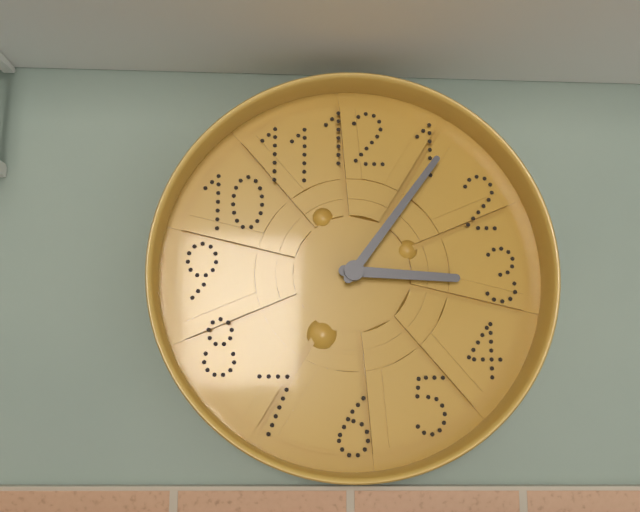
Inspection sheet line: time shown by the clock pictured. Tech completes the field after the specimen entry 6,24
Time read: 3,06
